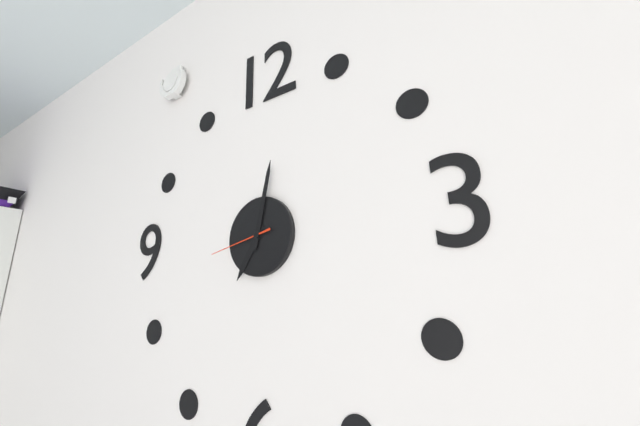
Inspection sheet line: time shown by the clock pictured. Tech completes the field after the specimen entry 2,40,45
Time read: 7,02,43
